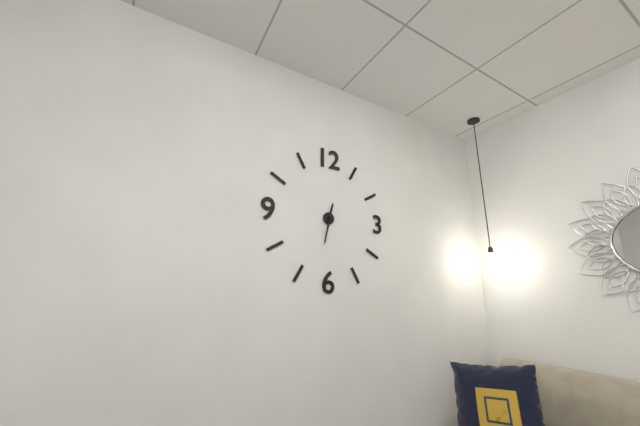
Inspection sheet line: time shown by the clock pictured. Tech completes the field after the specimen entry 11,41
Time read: 12,32
